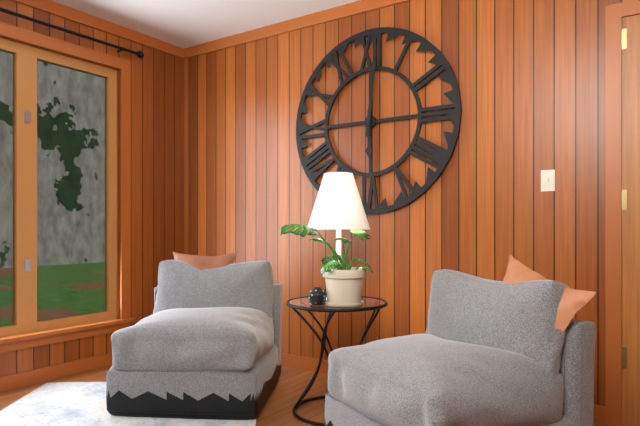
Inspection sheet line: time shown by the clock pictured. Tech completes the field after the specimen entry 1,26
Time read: 6,01
